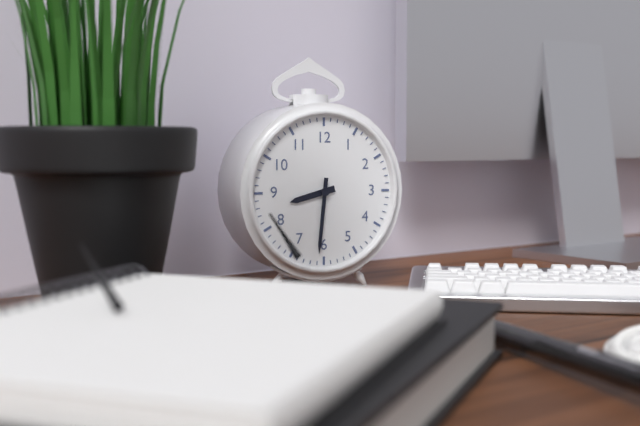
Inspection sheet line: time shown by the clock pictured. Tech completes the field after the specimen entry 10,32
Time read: 8,31
